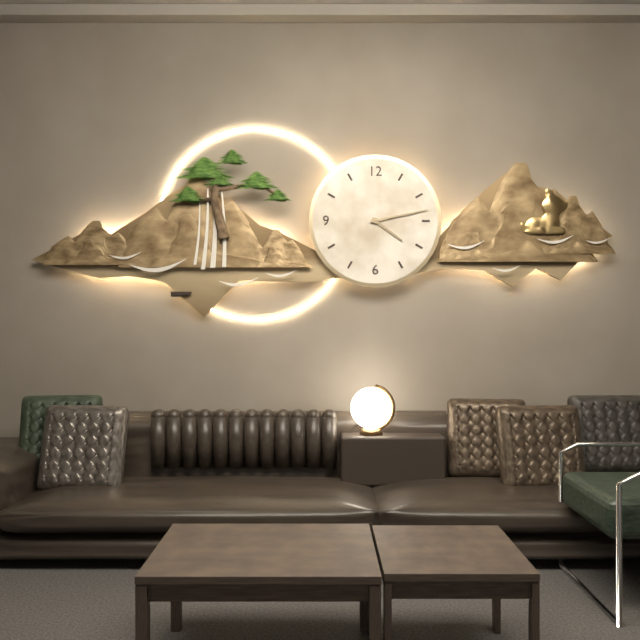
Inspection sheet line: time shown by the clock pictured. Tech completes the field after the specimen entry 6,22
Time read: 4,13
